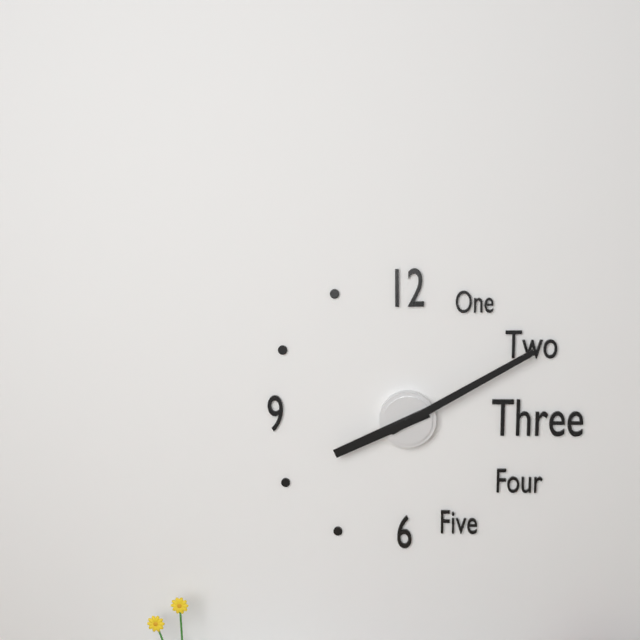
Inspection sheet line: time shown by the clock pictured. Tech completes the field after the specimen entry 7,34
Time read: 8,10
